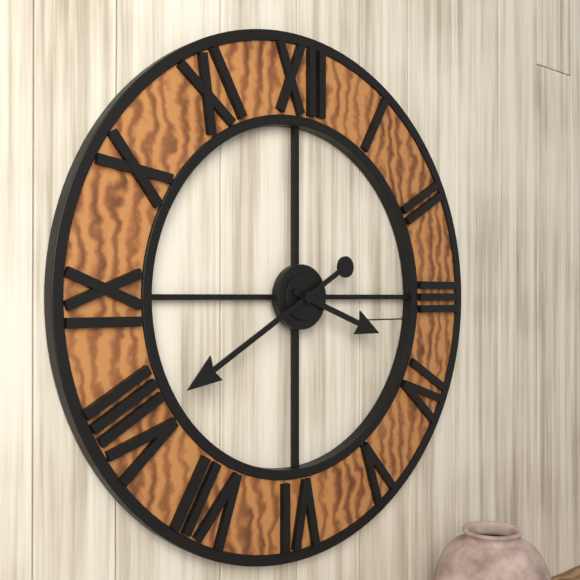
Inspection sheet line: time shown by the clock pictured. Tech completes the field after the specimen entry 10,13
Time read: 3,40
